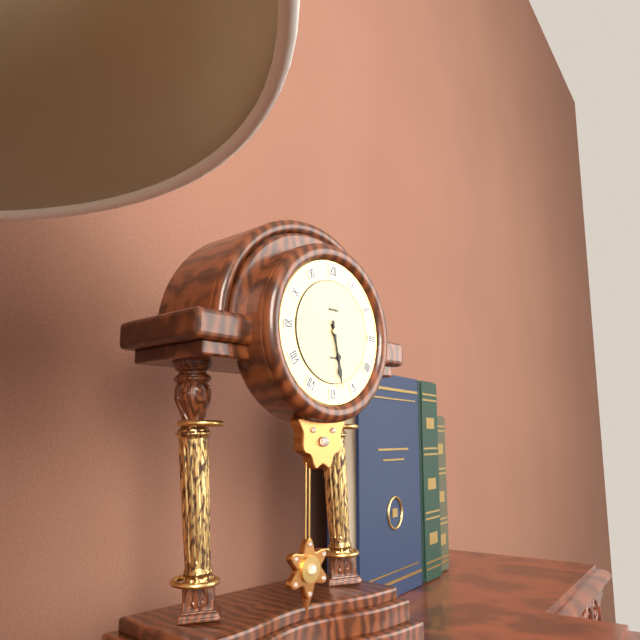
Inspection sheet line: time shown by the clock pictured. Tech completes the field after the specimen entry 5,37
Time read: 5,28
